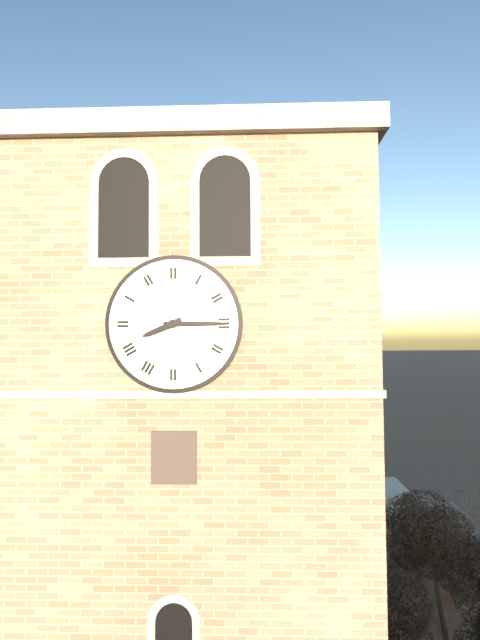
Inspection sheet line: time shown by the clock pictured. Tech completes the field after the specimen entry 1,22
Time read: 8,15
